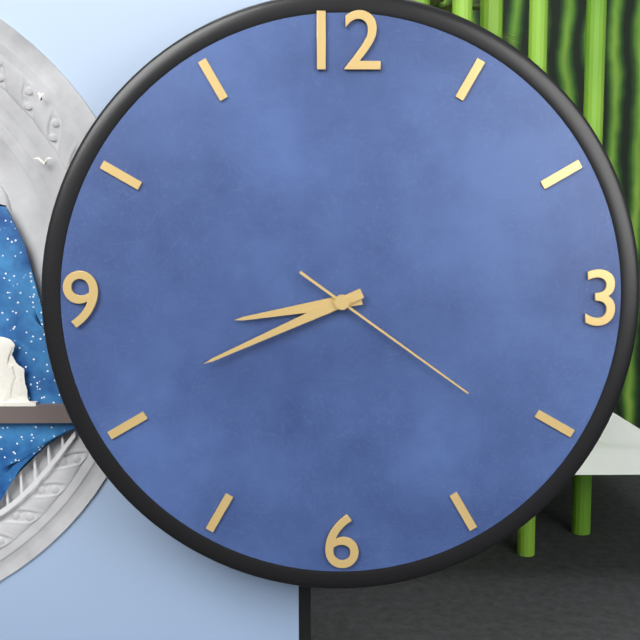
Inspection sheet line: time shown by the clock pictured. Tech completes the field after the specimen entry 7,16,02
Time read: 8,41,21
